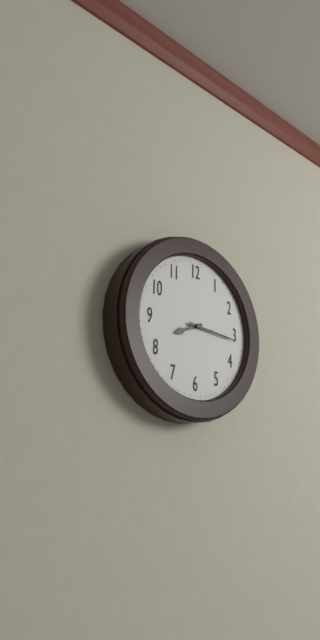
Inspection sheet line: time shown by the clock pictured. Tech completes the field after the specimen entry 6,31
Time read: 8,16
